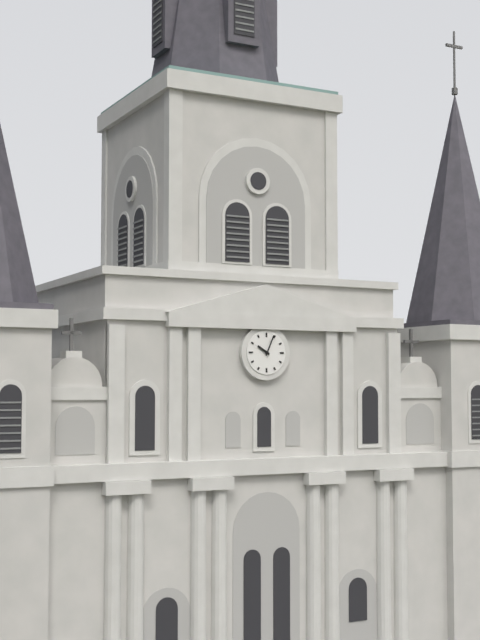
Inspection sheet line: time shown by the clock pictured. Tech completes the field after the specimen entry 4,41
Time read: 10,04
